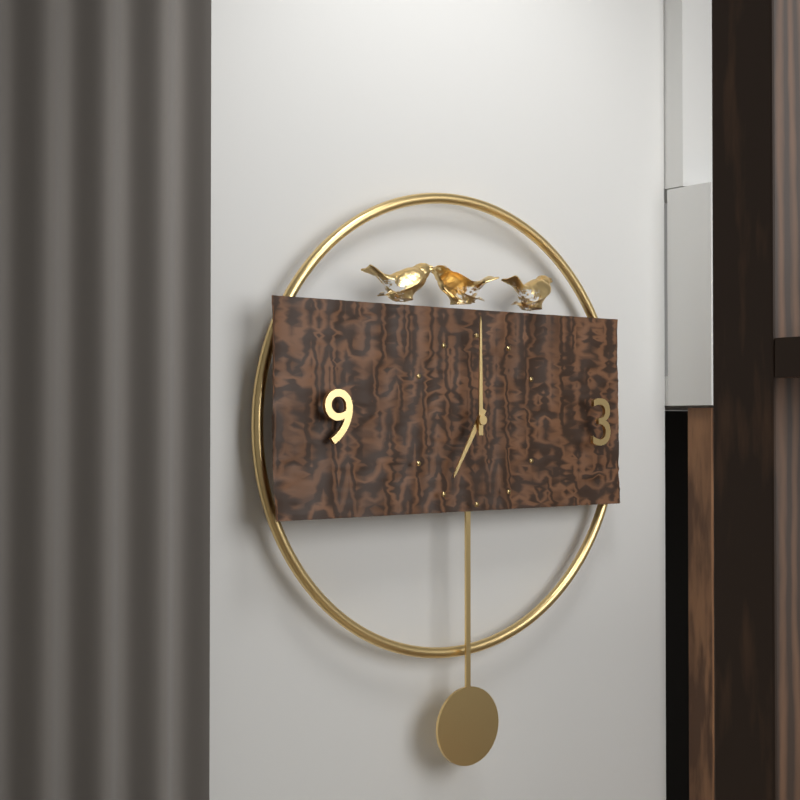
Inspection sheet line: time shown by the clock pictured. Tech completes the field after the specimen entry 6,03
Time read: 7,00
